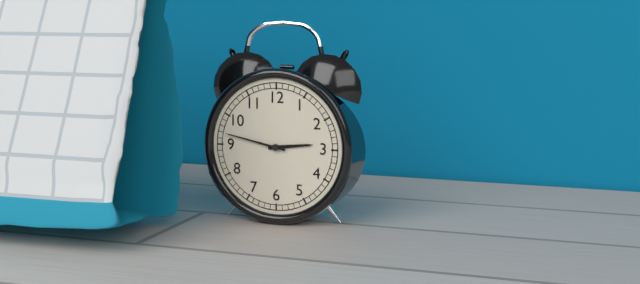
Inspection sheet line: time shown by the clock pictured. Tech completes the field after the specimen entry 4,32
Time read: 2,47
